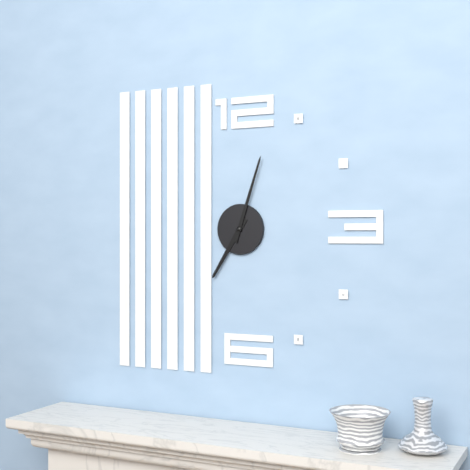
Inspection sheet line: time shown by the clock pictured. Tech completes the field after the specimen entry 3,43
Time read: 7,03
